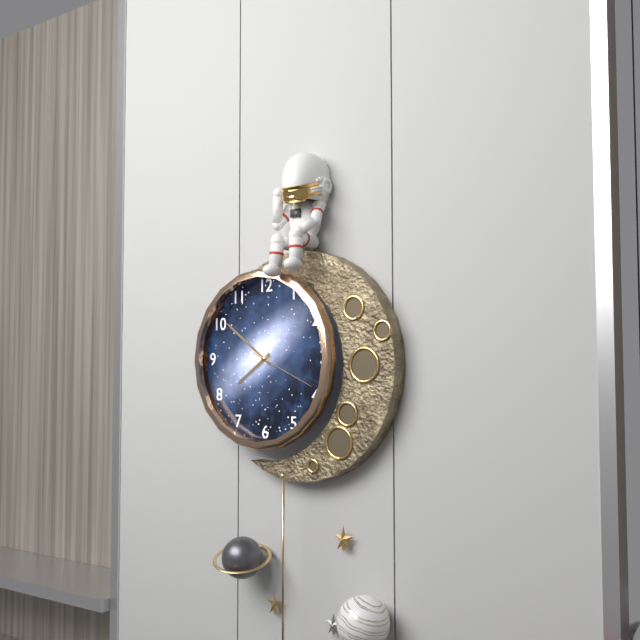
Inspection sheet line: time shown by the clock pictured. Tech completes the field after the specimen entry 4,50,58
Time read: 7,51,19
